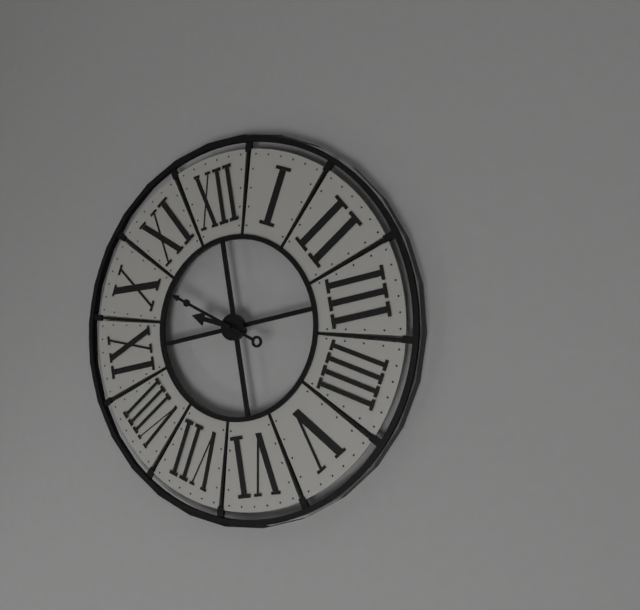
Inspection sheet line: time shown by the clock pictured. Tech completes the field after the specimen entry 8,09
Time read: 9,51
